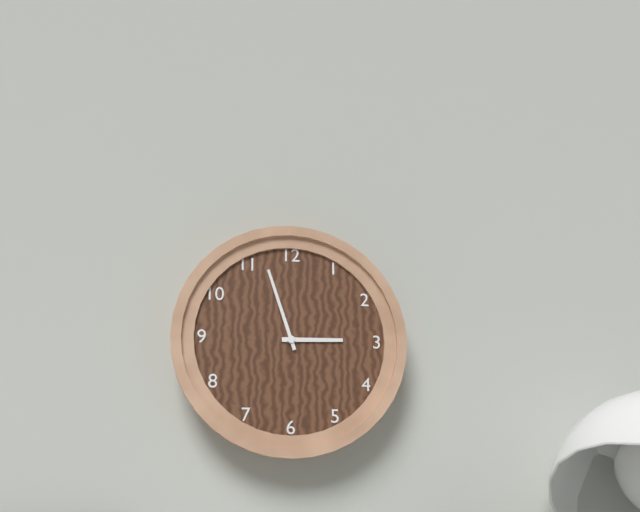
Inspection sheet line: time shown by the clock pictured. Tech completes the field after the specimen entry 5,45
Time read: 2,57
